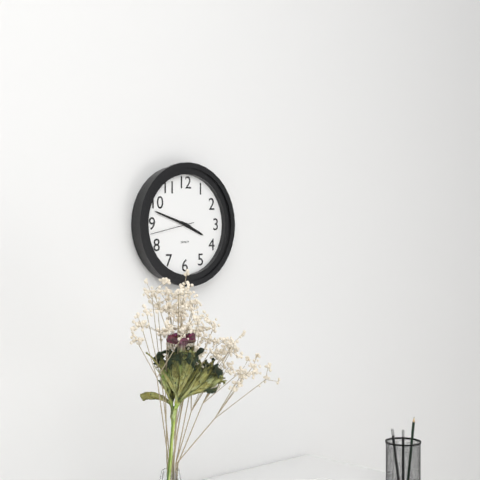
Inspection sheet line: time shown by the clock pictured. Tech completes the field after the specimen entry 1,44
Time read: 3,48
